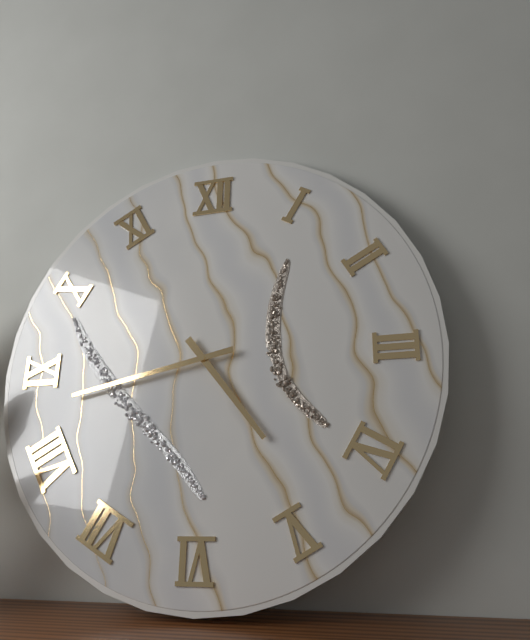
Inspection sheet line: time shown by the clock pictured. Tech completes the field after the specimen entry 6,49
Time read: 4,43
